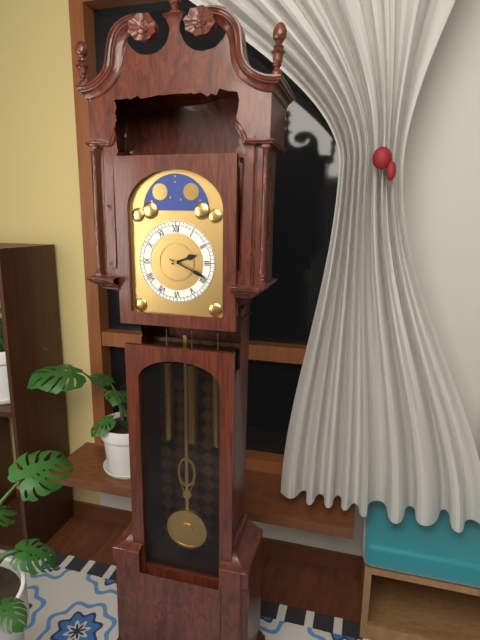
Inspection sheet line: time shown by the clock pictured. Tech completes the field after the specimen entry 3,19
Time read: 2,19
